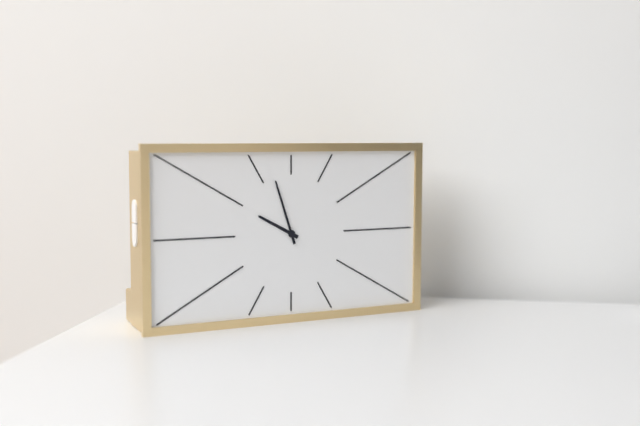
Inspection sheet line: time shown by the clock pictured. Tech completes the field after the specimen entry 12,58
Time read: 9,57
